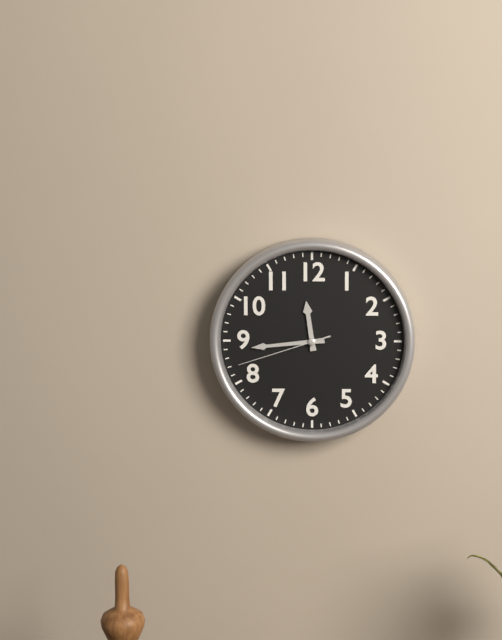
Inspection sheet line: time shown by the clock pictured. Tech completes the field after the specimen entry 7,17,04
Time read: 11,44,42
